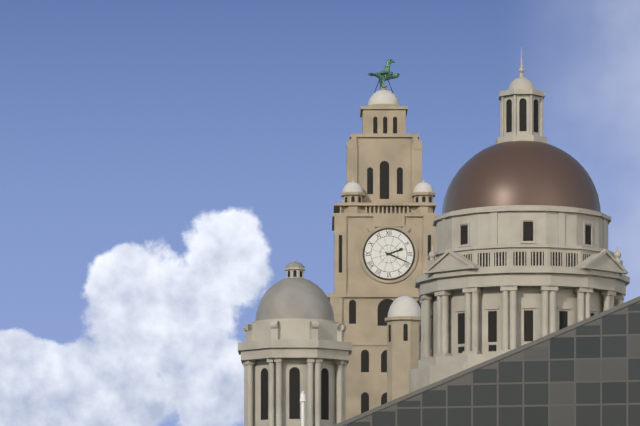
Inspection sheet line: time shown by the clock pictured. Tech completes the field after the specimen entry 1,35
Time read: 2,19
